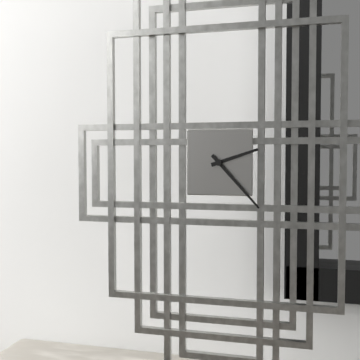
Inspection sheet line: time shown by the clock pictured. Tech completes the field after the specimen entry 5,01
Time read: 2,23
